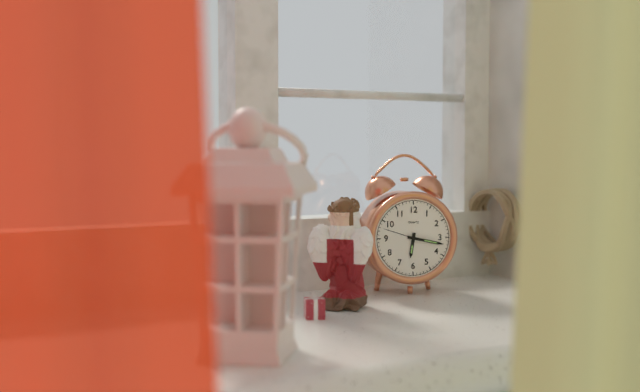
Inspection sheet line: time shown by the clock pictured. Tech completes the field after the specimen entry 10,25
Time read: 6,17
